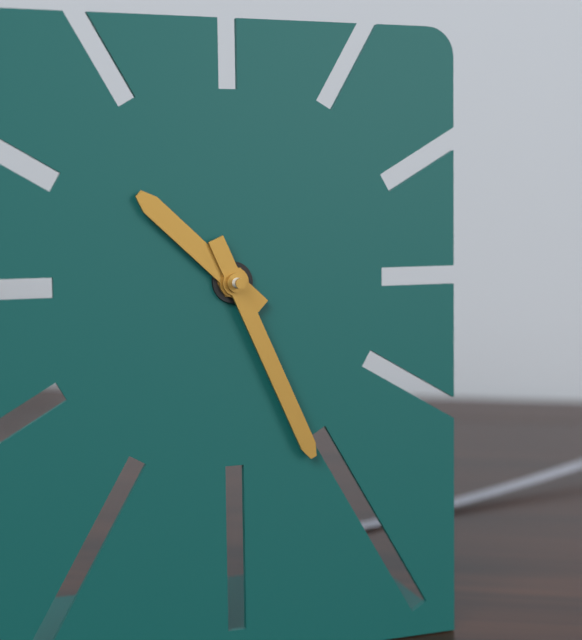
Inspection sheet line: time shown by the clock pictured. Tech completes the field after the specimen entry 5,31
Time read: 10,26
